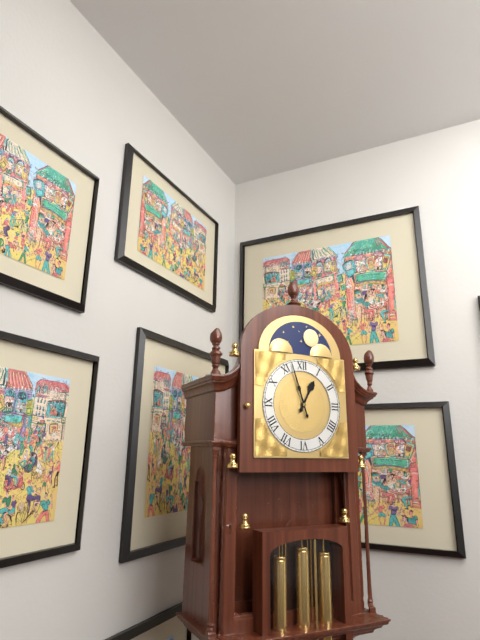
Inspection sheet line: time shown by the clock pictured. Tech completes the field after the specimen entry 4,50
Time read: 12,57
